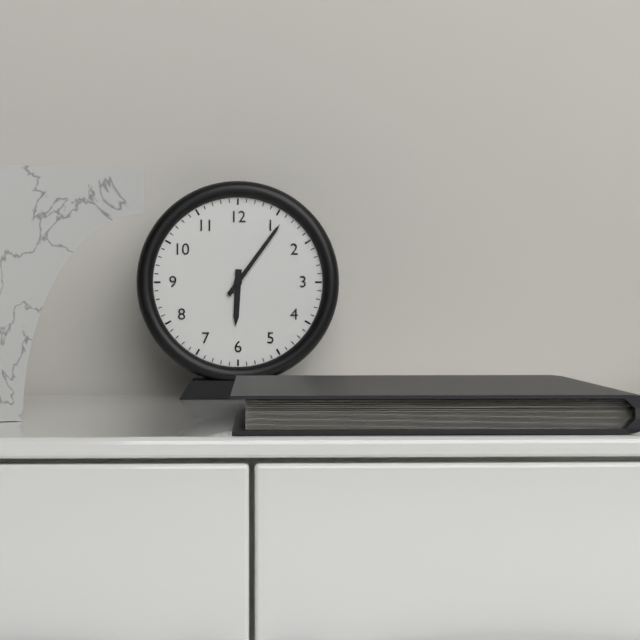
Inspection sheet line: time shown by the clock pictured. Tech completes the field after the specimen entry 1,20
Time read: 6,06
